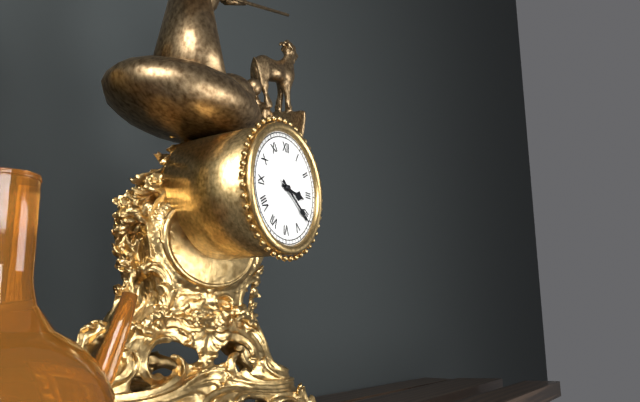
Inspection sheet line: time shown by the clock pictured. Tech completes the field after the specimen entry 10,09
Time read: 3,21
